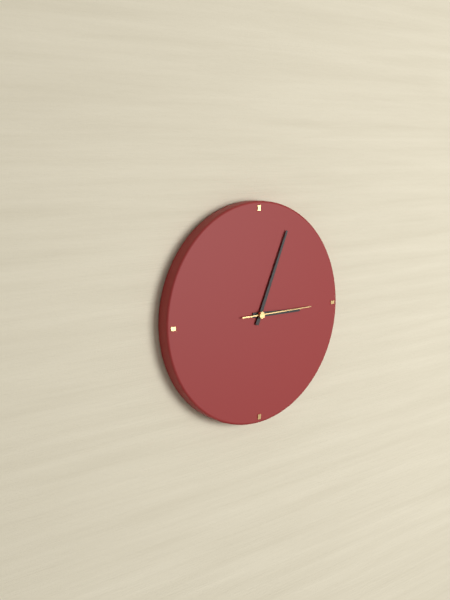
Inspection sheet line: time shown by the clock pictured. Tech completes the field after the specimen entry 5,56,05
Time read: 3,04,15
